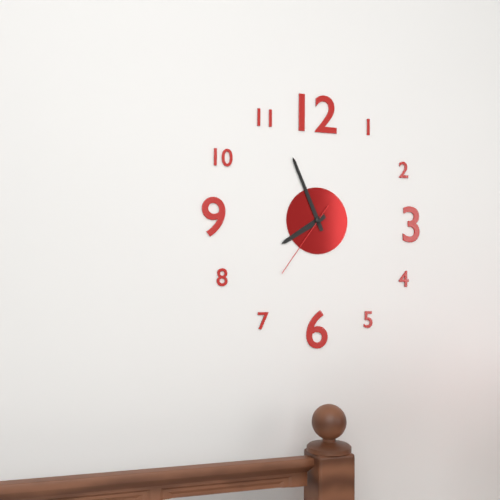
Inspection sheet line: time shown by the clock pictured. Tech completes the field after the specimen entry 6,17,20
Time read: 7,56,36
